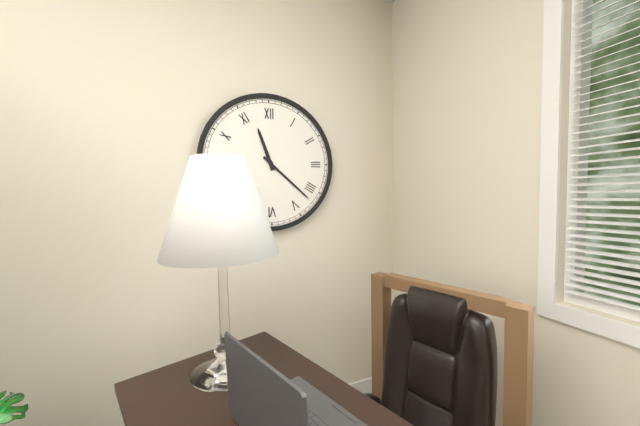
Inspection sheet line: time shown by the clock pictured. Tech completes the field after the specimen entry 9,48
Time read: 11,22
